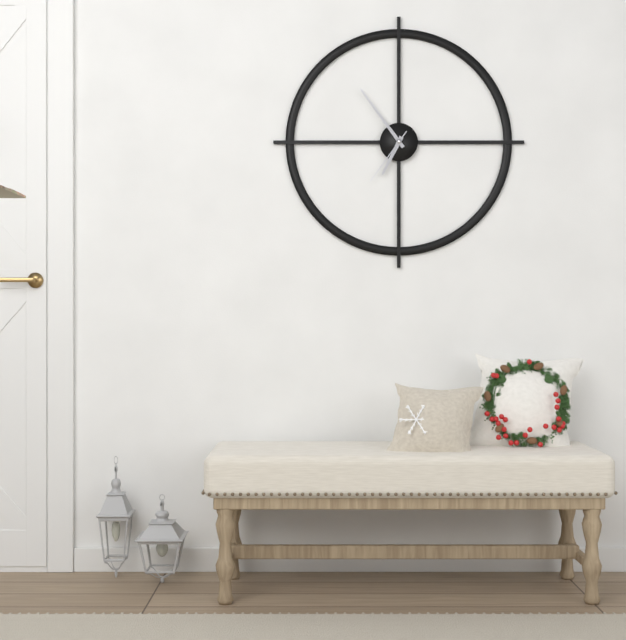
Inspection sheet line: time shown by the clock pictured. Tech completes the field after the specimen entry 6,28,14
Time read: 6,54,36
